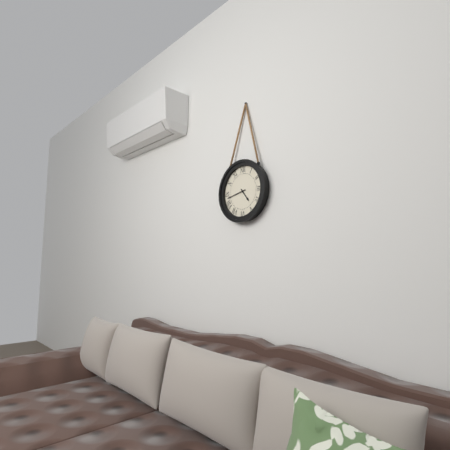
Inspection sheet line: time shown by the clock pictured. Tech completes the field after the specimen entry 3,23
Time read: 4,43
